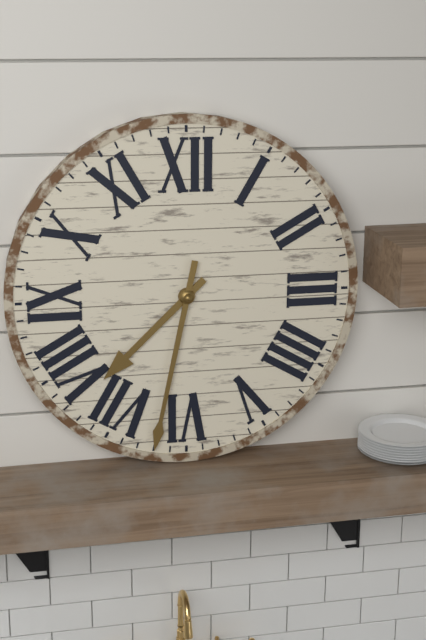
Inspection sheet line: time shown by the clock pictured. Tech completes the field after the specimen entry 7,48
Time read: 7,32
